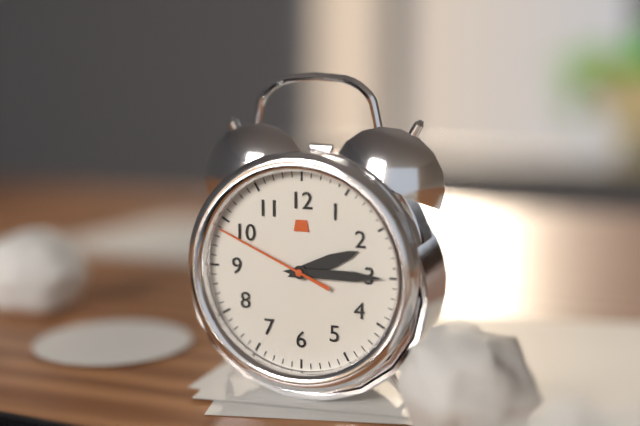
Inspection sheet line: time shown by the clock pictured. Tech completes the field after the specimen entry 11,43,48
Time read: 2,15,49
